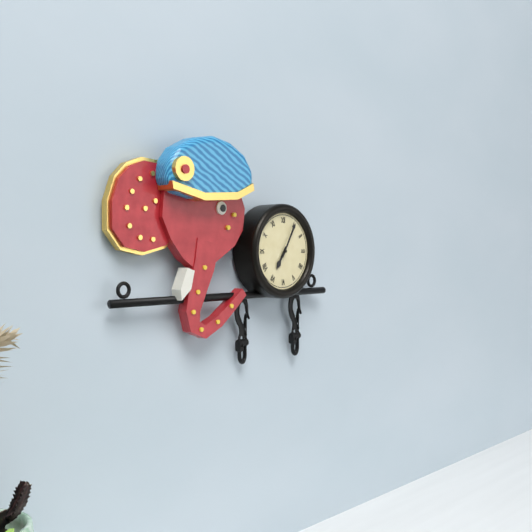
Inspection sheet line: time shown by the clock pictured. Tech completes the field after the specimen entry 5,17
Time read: 7,05
